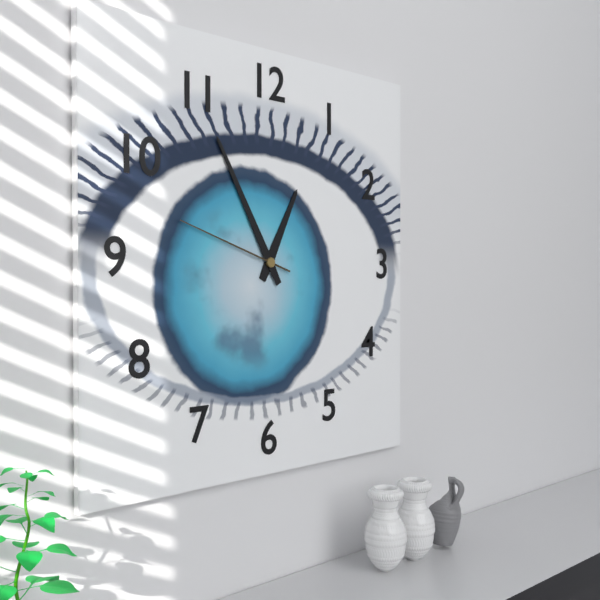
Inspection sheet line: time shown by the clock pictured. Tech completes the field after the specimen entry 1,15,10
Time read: 12,55,48
